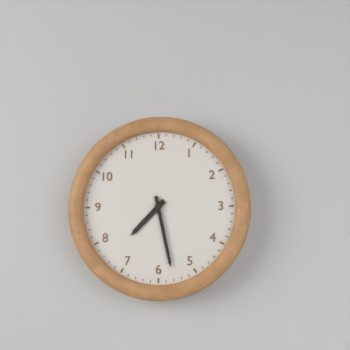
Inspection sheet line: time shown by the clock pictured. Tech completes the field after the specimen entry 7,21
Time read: 7,28
